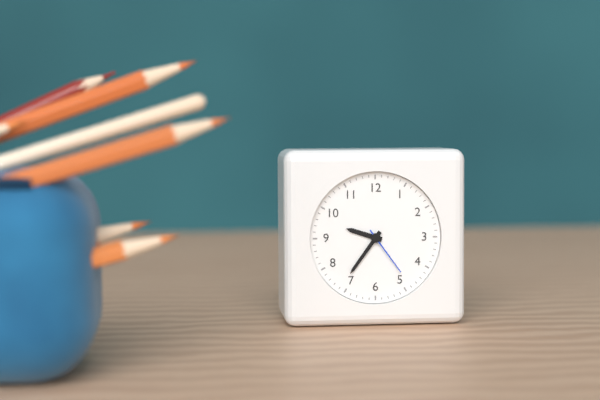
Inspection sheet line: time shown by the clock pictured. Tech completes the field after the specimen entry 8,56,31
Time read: 9,36,24
